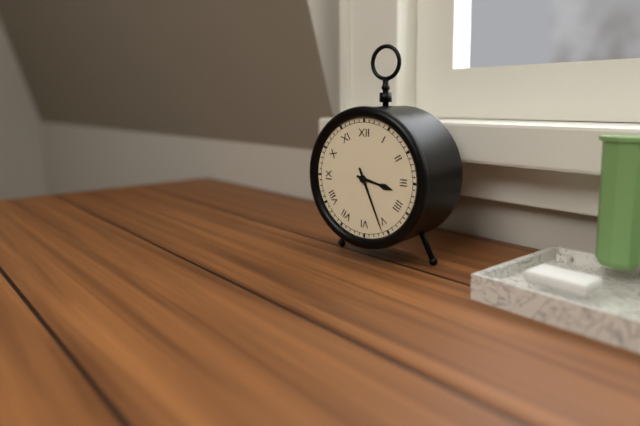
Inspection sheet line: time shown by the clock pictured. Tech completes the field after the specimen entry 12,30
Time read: 3,26
